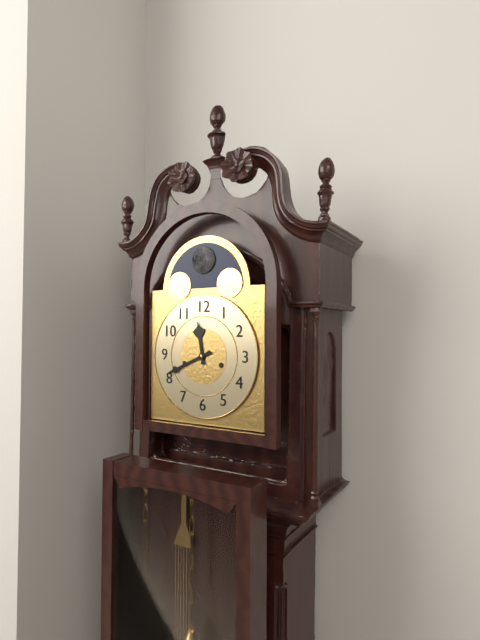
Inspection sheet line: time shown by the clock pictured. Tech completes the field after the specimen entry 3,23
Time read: 11,41
